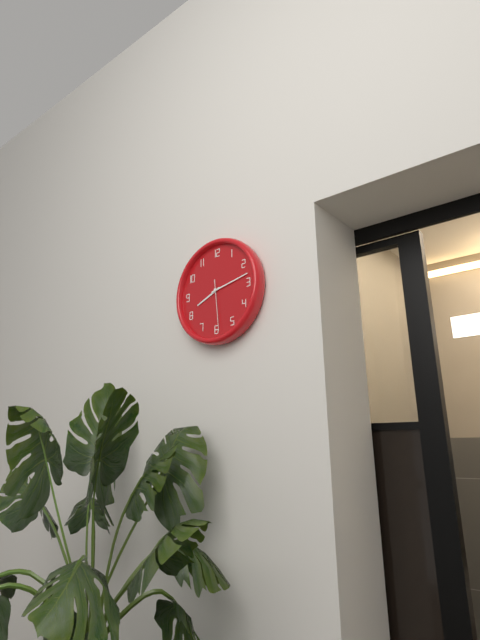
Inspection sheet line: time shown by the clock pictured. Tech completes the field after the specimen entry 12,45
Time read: 8,13
